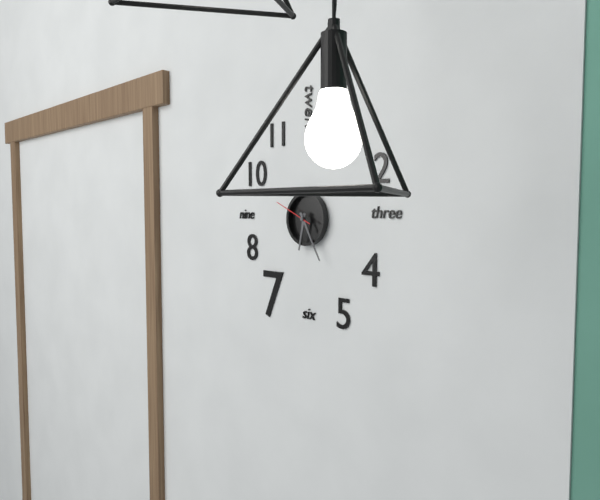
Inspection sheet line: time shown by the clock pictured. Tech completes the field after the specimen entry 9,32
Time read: 6,25
